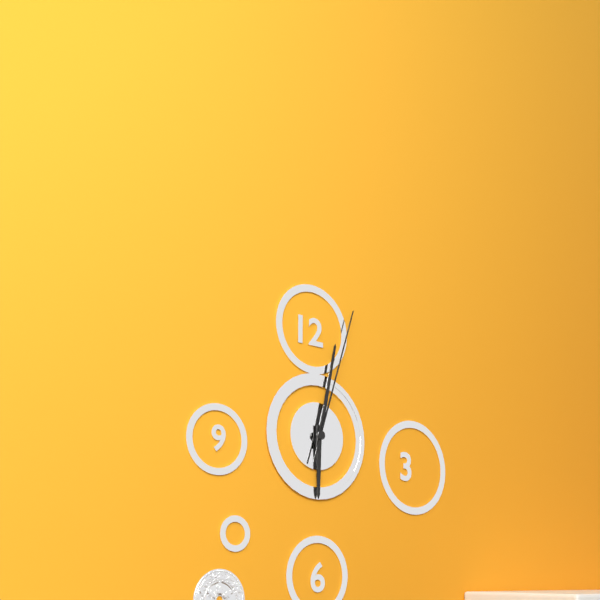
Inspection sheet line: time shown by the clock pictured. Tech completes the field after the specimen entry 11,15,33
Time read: 6,02,03
